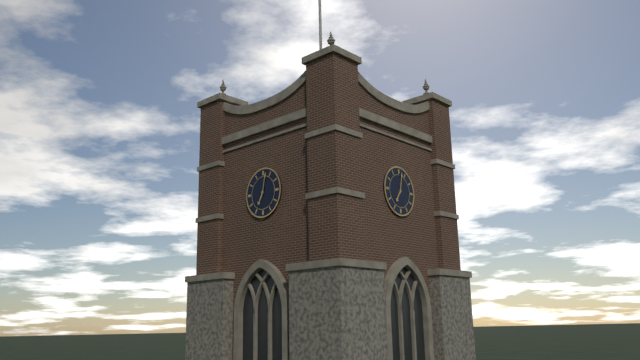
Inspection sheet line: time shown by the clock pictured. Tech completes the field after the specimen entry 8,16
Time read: 7,02
